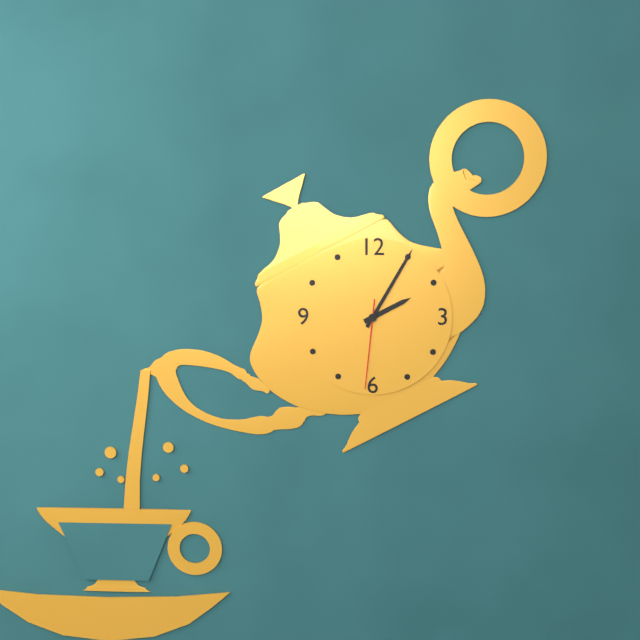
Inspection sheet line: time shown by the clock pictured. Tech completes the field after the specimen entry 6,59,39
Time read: 2,05,31
